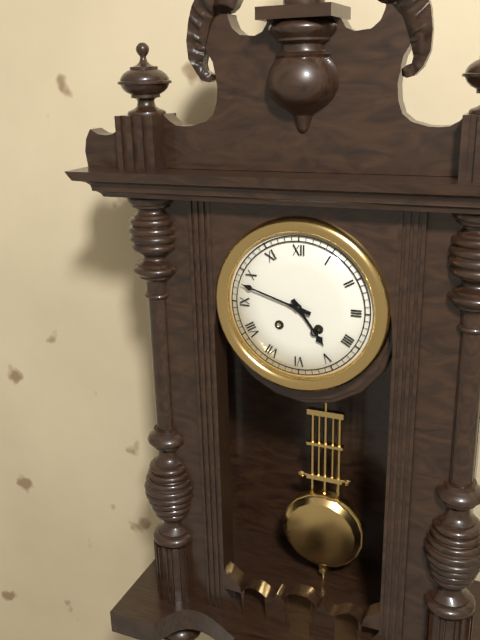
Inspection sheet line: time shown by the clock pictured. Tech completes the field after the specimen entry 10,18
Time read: 4,48
